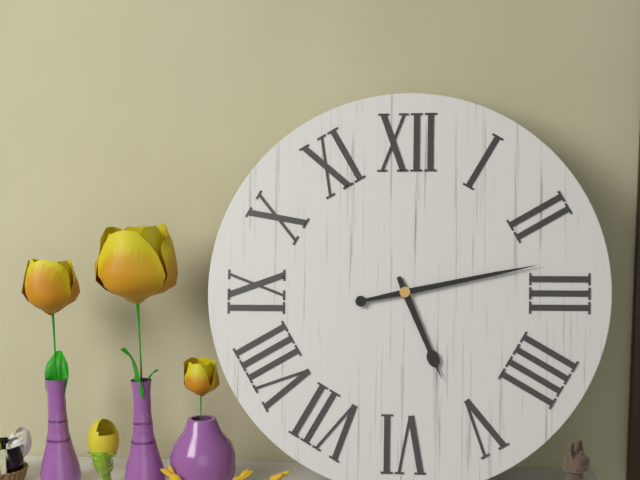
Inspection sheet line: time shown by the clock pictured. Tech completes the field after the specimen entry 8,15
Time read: 5,13
